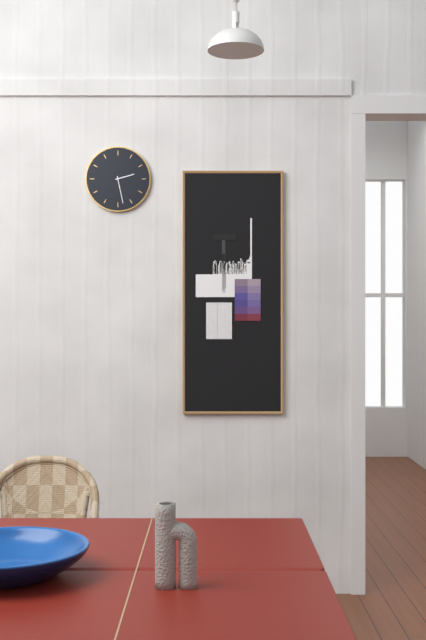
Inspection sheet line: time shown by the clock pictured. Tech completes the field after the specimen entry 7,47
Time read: 2,28
